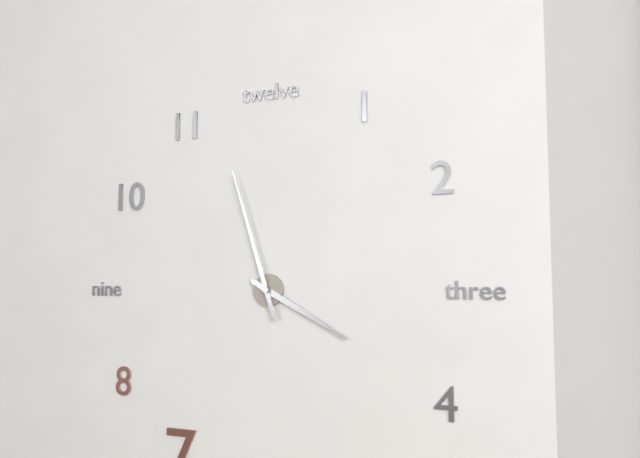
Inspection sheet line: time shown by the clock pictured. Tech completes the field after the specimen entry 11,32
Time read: 3,57
